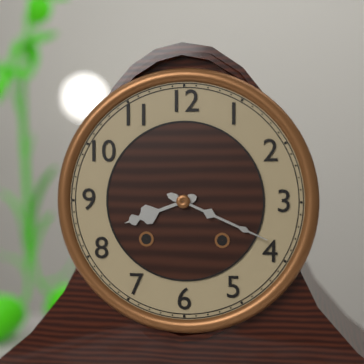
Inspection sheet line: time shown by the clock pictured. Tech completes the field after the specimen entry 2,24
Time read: 8,19
